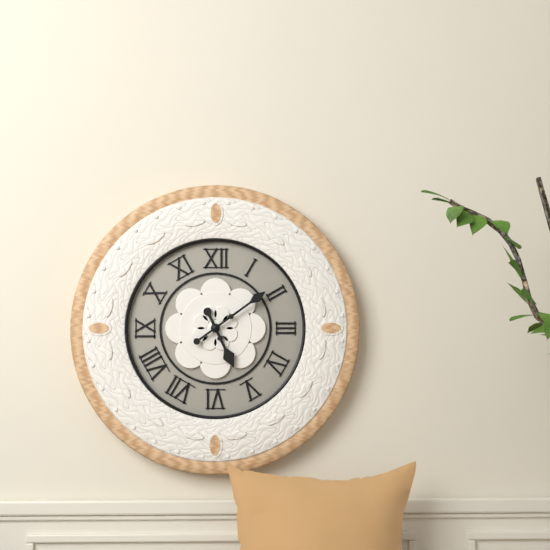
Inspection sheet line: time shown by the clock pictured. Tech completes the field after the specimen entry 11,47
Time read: 5,09
